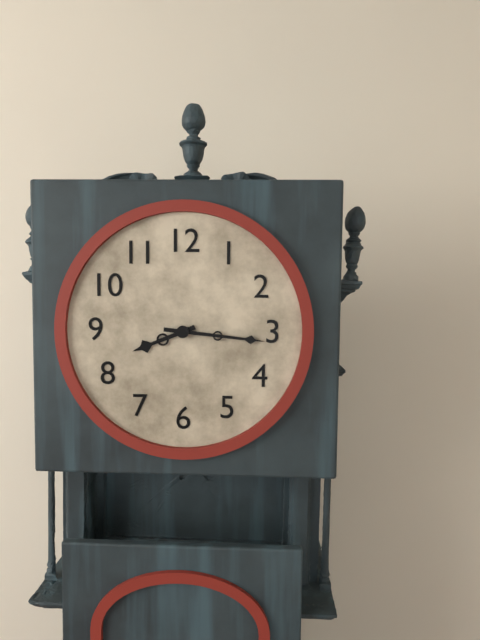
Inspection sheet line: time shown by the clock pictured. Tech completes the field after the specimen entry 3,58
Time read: 8,16
